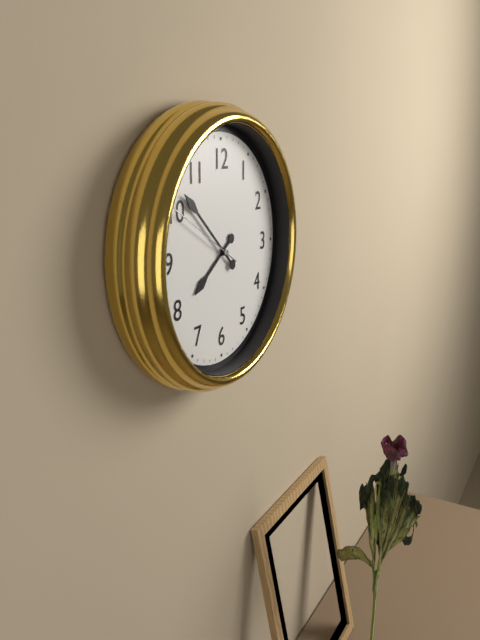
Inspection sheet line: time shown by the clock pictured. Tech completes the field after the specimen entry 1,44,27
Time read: 7,52,50
